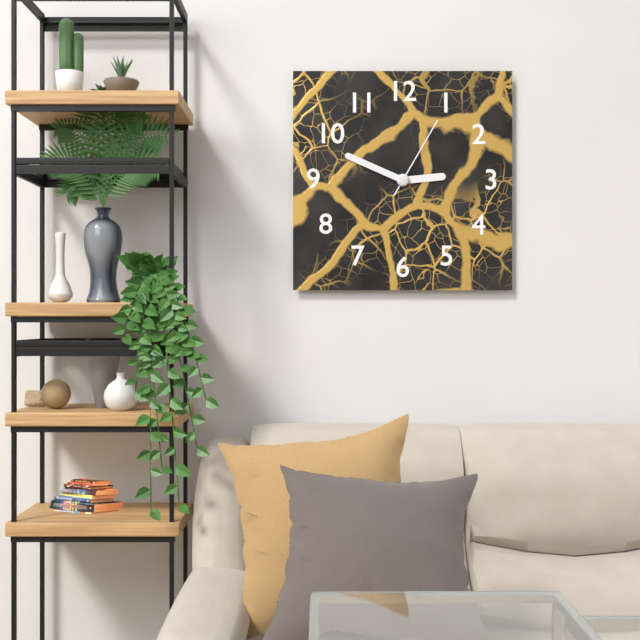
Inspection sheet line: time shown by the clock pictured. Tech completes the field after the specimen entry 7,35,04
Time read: 2,49,05
